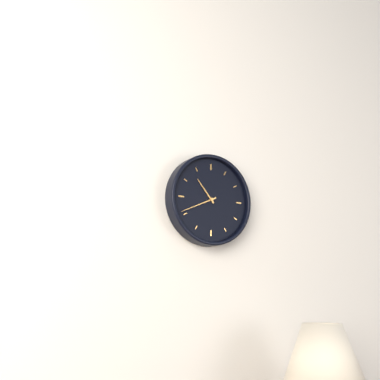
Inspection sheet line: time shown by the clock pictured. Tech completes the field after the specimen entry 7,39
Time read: 10,41
